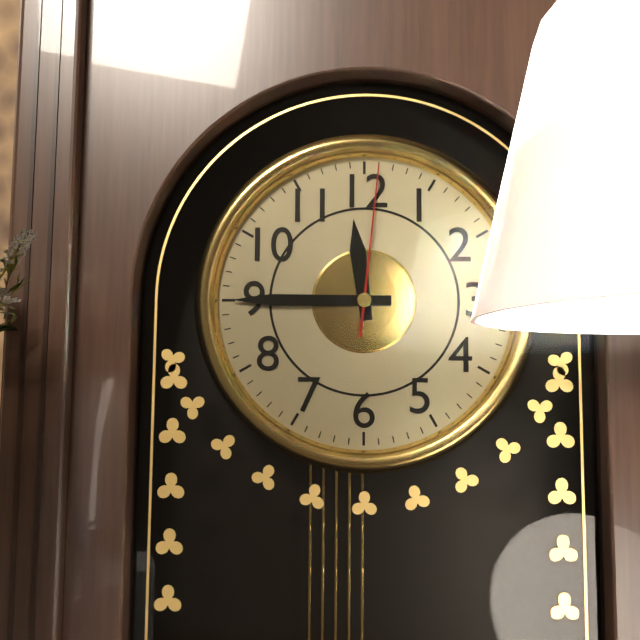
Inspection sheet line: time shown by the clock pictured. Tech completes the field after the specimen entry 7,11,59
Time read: 11,45,01
